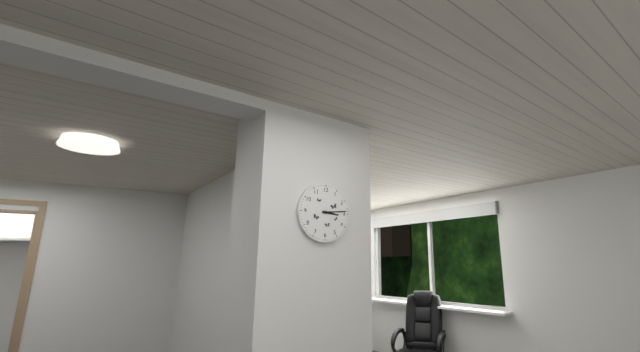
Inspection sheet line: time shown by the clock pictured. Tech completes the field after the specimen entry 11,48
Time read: 3,14
